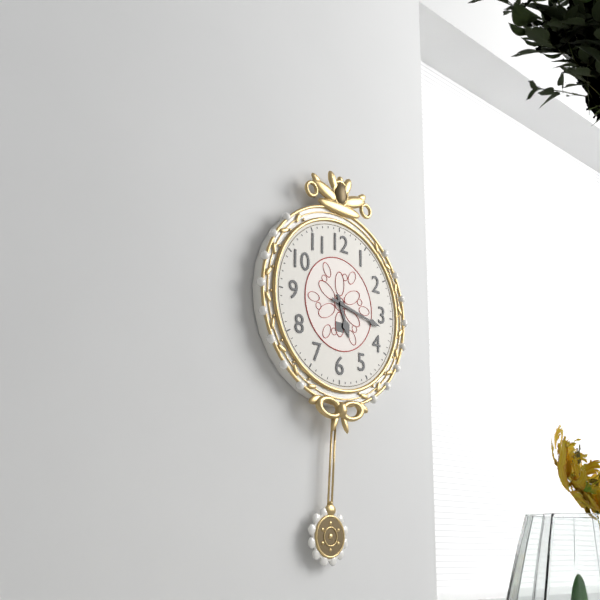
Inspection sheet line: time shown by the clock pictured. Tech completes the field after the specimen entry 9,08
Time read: 5,17
